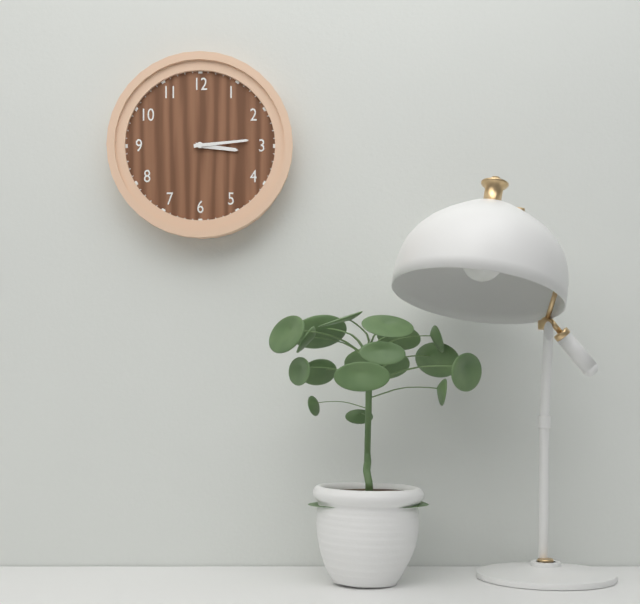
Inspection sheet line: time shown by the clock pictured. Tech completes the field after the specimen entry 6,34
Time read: 3,14
